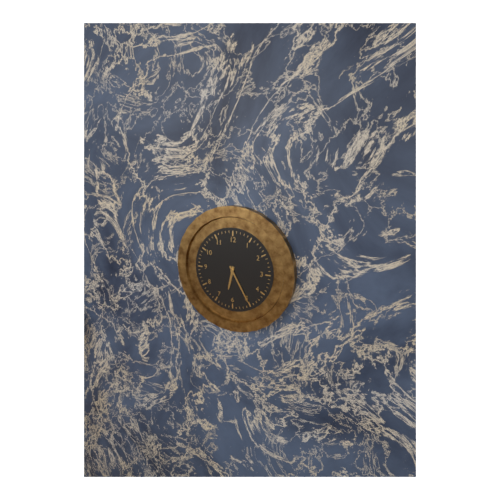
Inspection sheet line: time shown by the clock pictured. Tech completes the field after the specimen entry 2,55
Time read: 6,25
